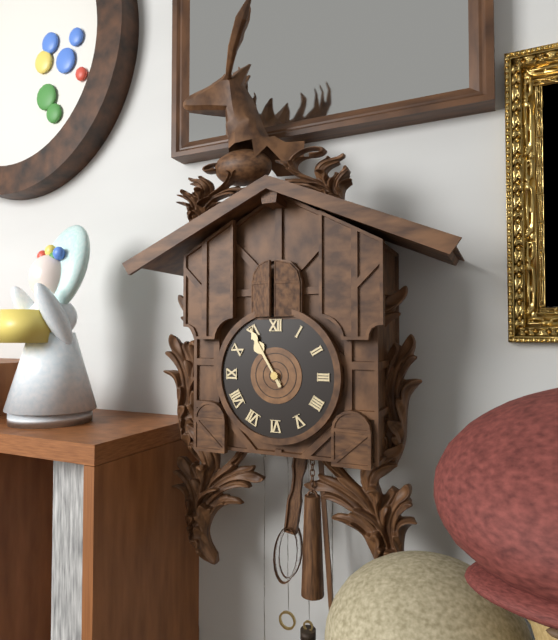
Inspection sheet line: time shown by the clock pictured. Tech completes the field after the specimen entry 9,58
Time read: 10,55
